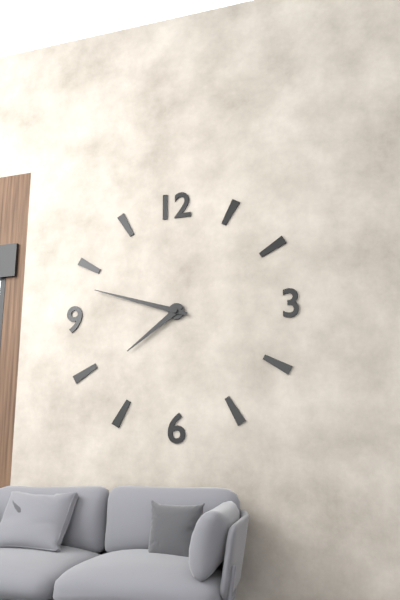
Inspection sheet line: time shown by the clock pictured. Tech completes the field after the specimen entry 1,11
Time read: 7,48
